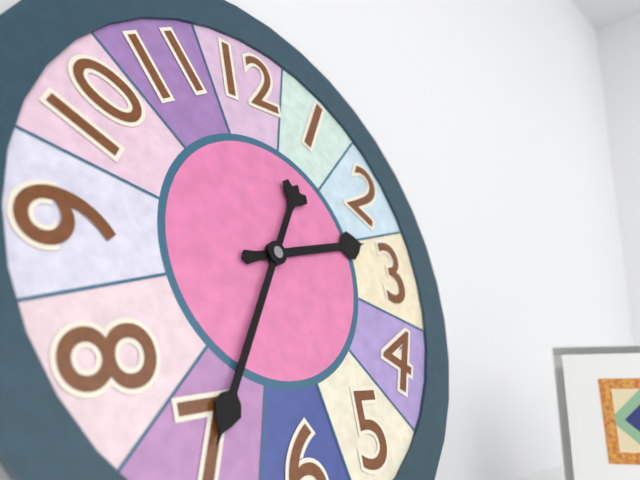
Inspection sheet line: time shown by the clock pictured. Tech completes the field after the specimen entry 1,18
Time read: 2,35
